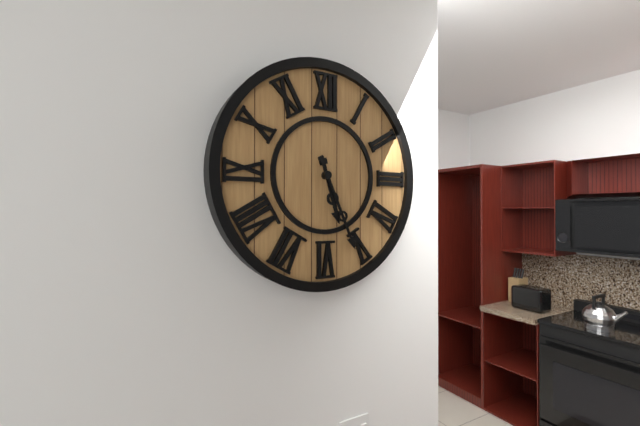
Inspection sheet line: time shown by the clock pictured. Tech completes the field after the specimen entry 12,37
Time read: 5,26
